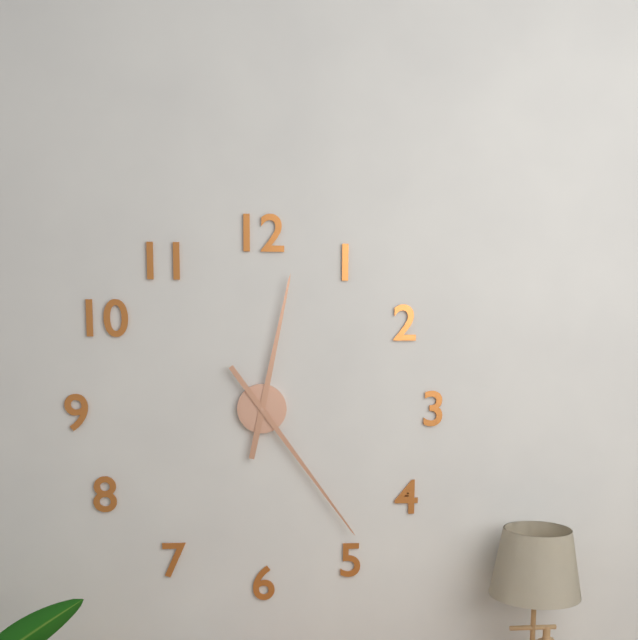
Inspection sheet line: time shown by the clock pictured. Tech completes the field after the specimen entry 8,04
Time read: 12,24
